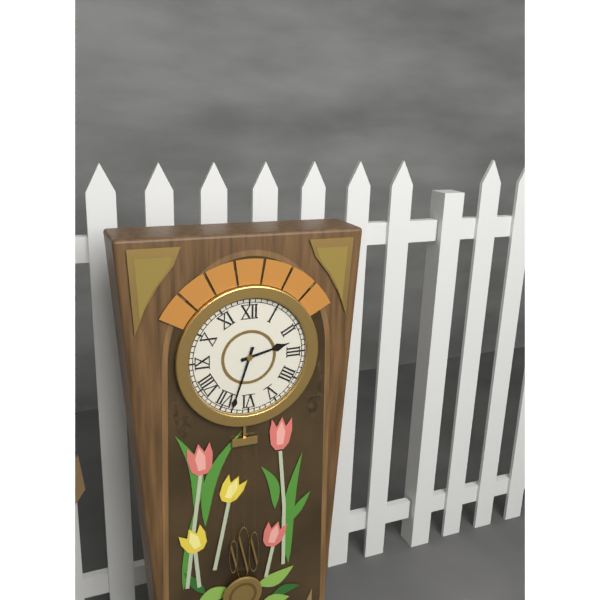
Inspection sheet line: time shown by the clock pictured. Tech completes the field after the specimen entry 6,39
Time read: 2,33
